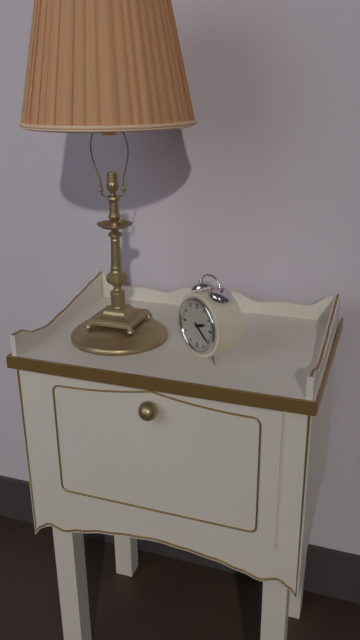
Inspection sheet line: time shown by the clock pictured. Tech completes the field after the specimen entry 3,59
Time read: 2,21
